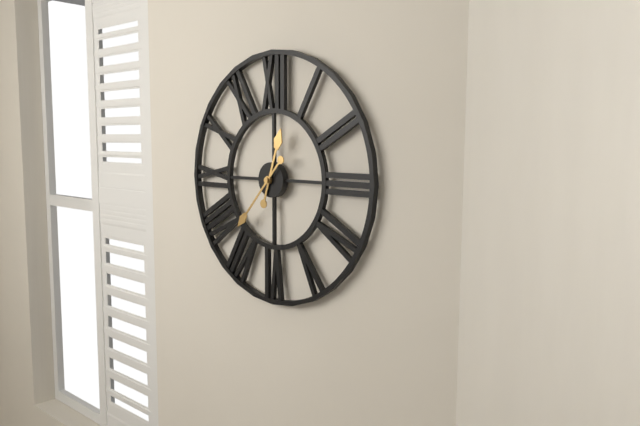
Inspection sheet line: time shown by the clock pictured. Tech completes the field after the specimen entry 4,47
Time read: 12,37
